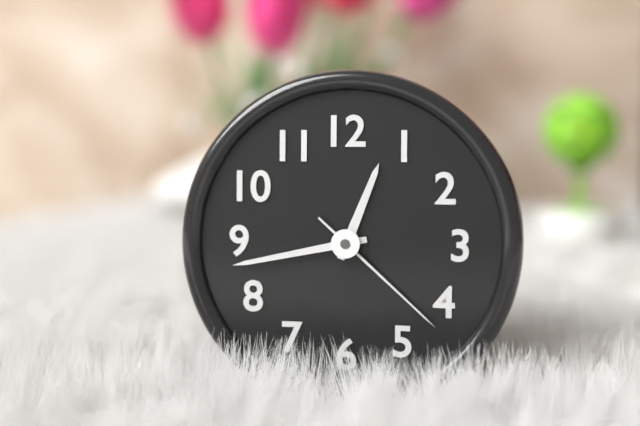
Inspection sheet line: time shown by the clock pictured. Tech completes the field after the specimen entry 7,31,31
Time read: 12,43,22
